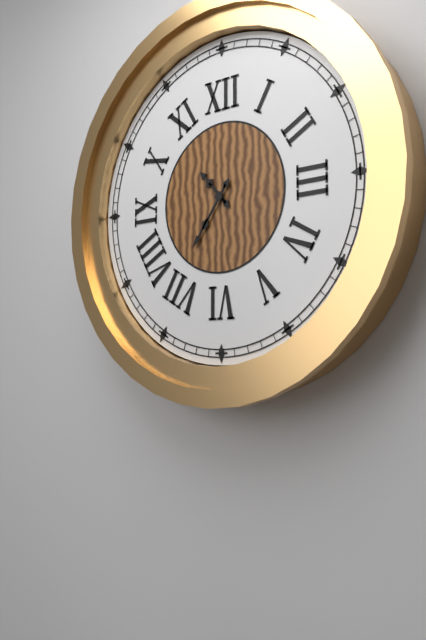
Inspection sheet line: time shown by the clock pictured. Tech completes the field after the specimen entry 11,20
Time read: 10,36
